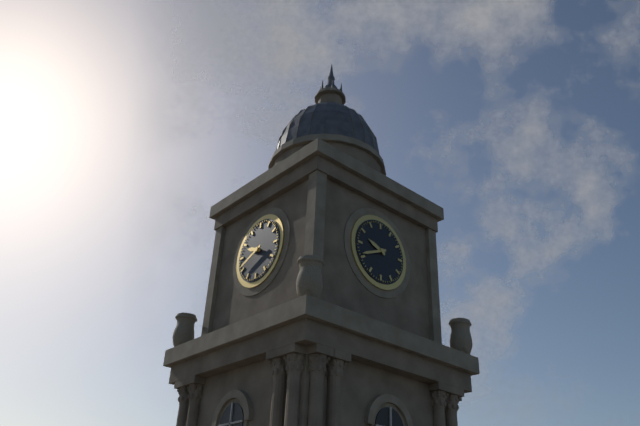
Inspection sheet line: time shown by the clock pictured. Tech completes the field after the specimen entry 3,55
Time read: 9,41
